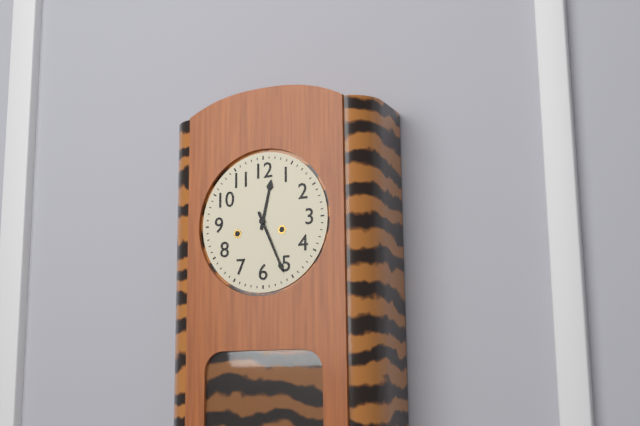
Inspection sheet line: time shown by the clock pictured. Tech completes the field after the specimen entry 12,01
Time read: 12,26
